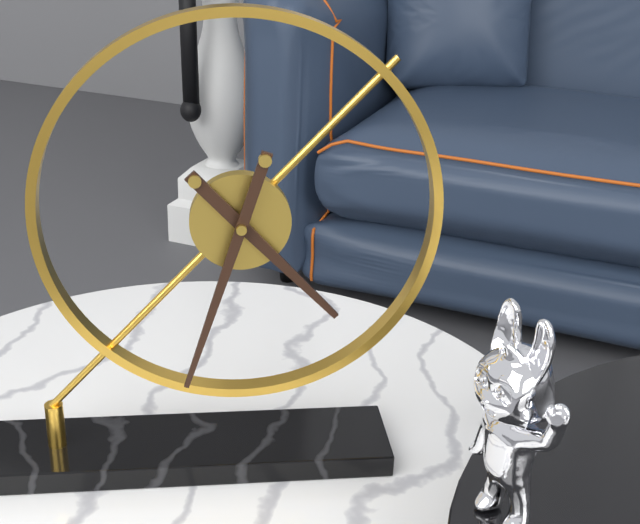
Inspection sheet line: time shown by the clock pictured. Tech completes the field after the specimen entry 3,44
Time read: 4,33
